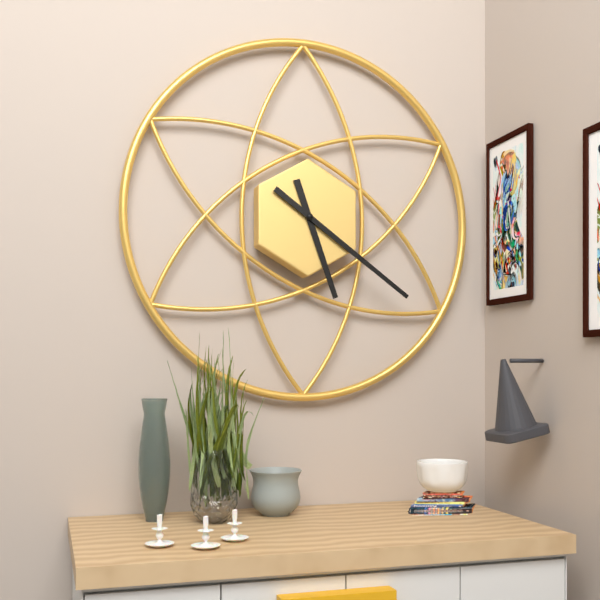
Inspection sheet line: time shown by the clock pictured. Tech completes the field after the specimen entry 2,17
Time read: 5,21
